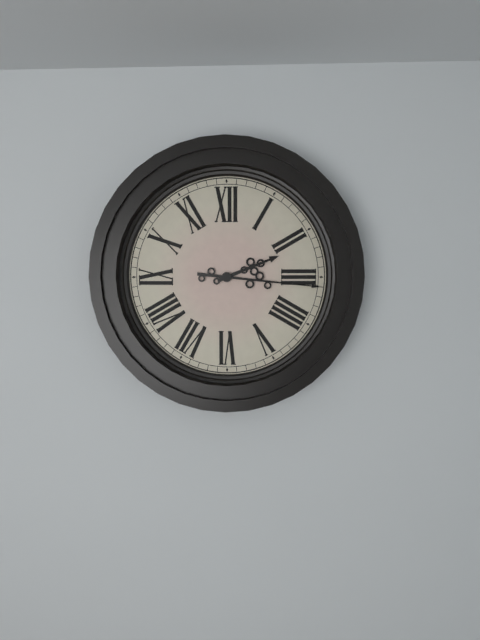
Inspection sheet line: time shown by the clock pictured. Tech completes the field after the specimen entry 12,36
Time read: 2,16
